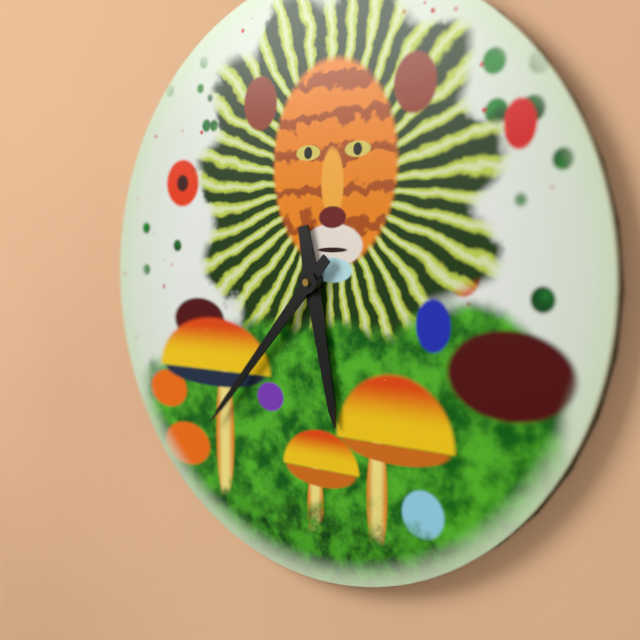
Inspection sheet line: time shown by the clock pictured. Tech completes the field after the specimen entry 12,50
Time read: 5,37
